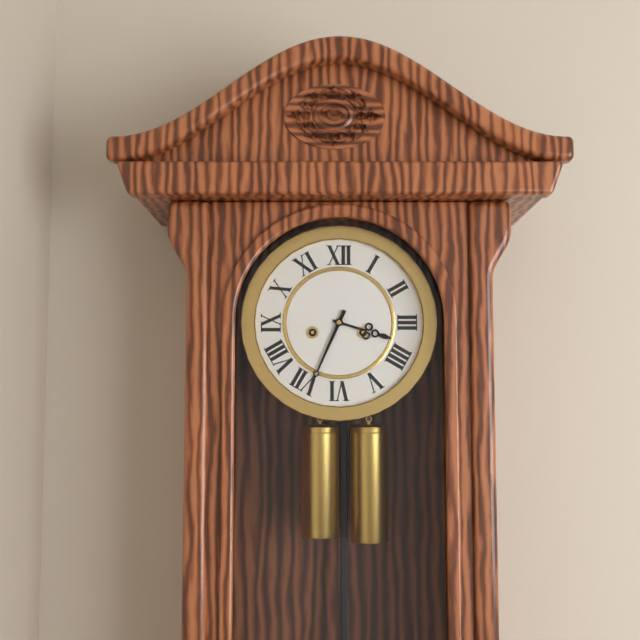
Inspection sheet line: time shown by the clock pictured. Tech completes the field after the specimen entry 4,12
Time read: 3,34
